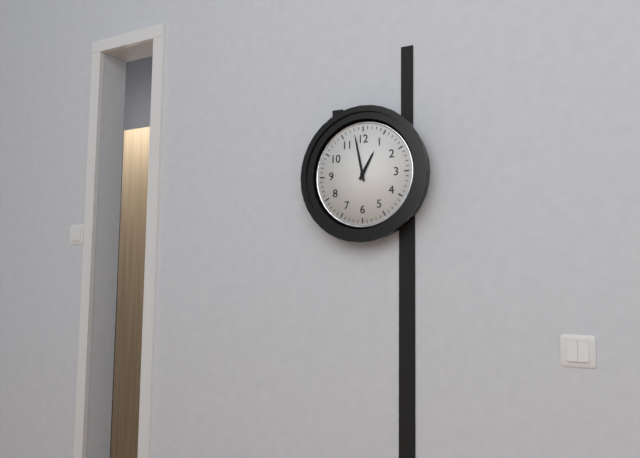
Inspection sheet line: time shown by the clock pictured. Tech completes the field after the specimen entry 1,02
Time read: 12,58
